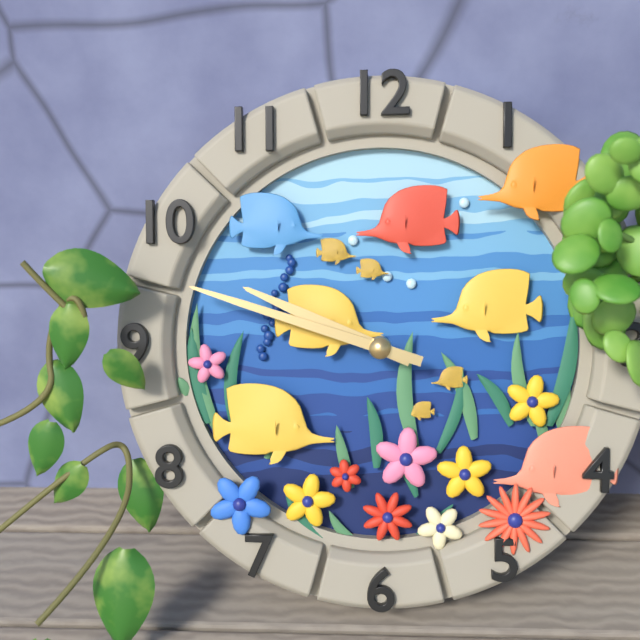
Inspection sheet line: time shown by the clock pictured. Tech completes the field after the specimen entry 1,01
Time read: 9,48
